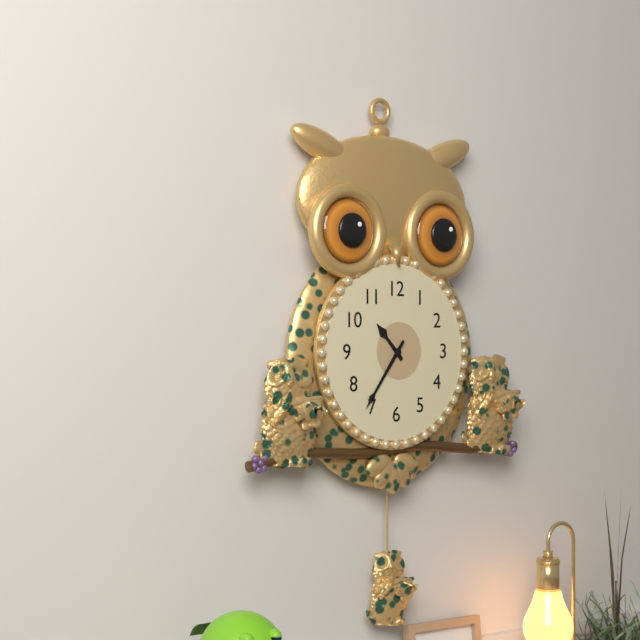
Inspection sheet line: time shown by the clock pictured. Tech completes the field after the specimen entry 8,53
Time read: 10,36
